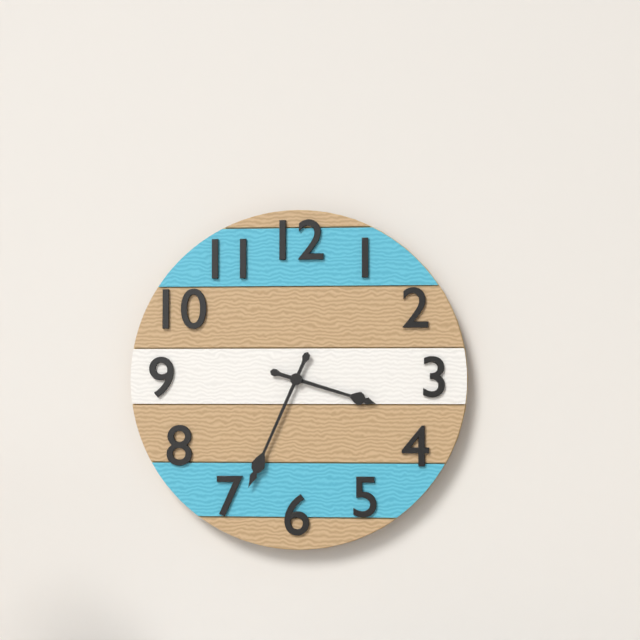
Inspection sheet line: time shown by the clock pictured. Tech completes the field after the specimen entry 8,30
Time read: 3,34
